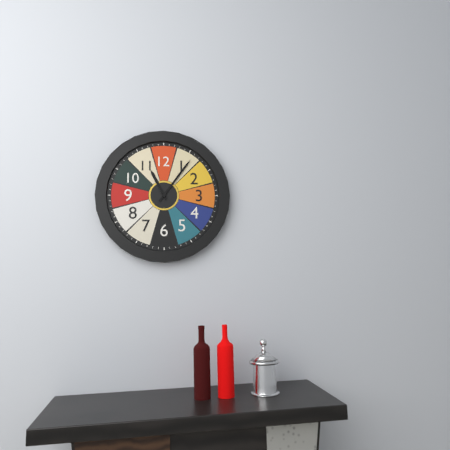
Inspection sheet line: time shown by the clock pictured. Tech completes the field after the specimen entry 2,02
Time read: 11,06
